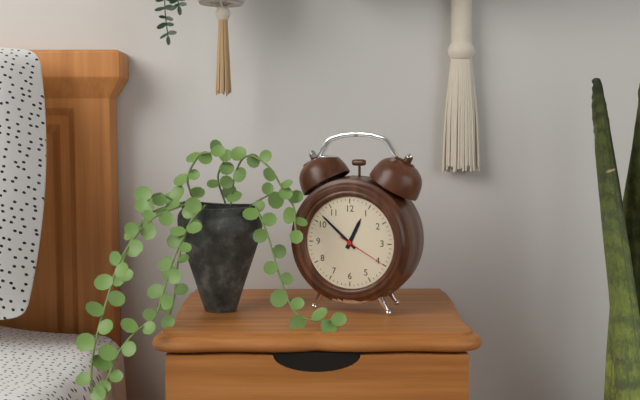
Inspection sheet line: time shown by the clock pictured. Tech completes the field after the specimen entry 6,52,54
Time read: 12,52,20
